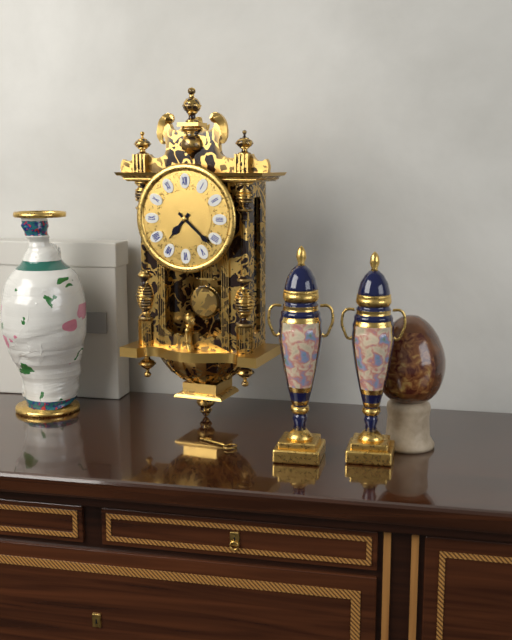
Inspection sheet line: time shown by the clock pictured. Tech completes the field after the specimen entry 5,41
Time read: 7,22
